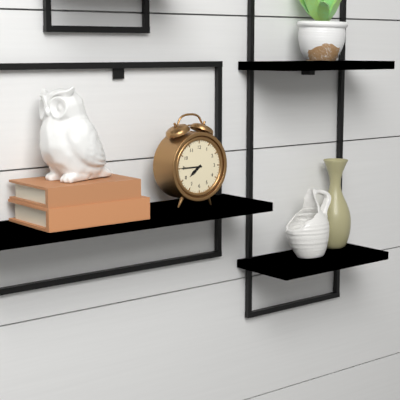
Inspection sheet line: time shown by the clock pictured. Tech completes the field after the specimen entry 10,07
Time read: 7,45
